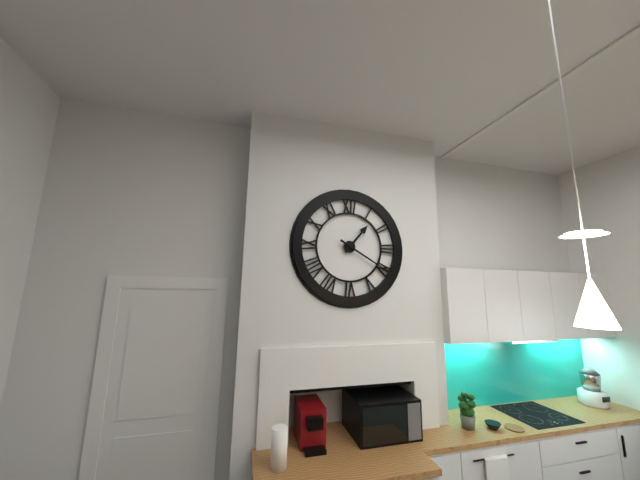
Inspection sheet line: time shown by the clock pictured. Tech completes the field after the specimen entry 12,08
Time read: 1,20
